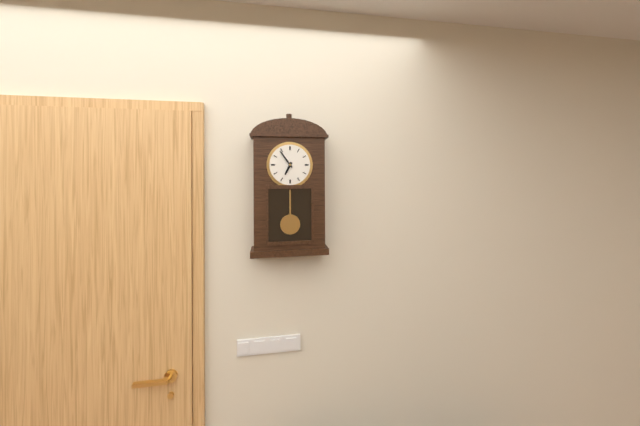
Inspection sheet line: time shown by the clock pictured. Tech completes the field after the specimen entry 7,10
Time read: 6,54
